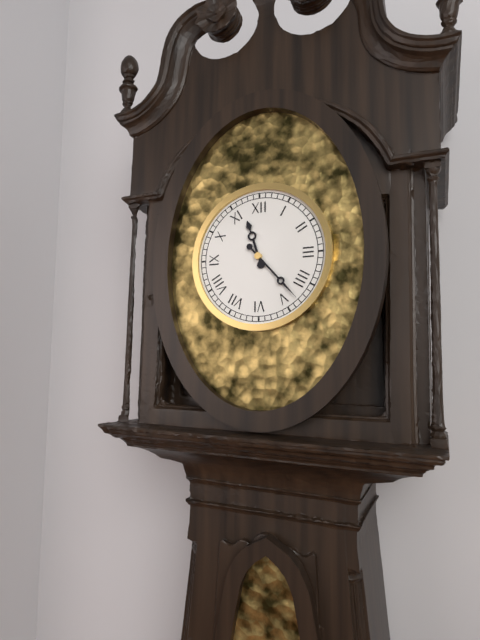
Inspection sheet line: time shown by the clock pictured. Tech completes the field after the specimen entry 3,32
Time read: 11,23
